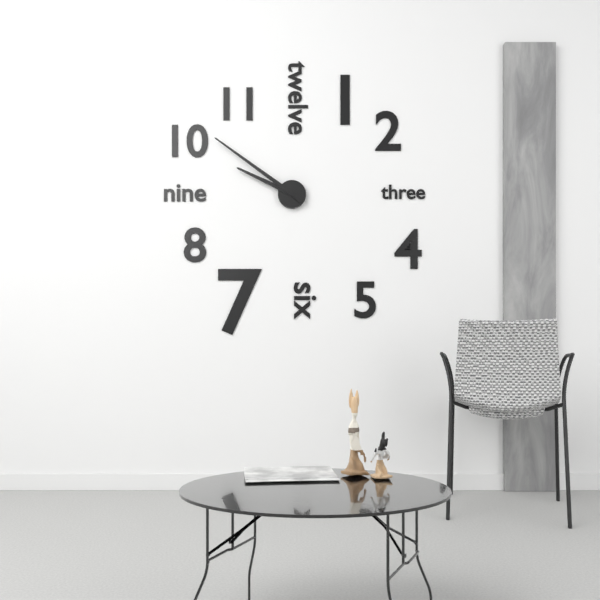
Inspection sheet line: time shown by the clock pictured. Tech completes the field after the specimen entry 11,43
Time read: 9,51
